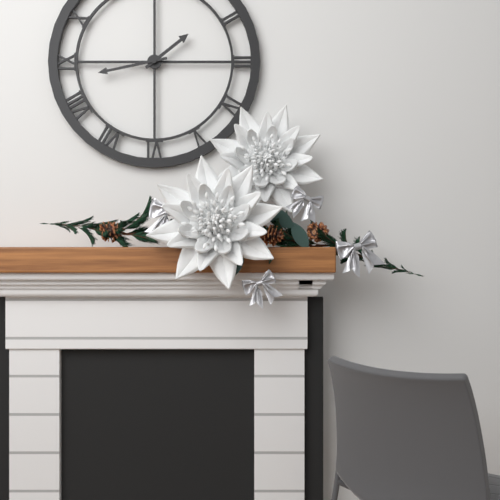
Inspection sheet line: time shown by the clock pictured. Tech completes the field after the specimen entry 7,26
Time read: 1,43
